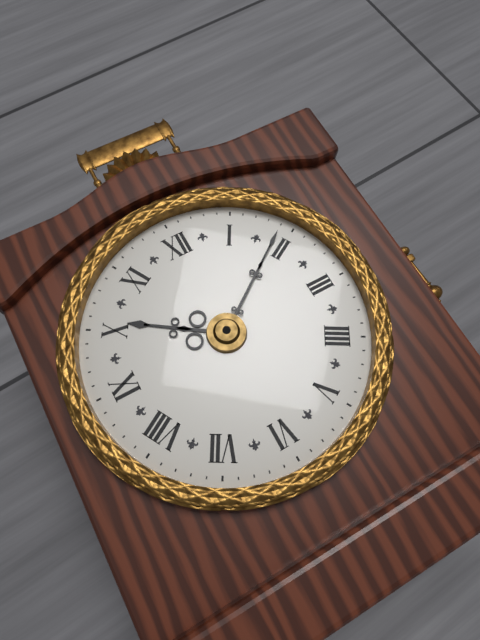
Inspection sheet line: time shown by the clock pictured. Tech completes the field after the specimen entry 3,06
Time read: 10,09
